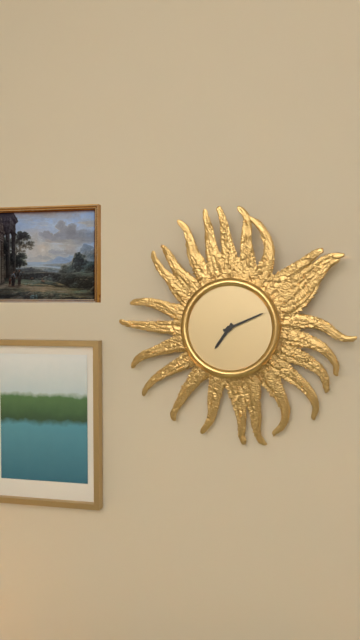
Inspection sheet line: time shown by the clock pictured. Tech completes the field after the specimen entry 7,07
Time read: 7,11
